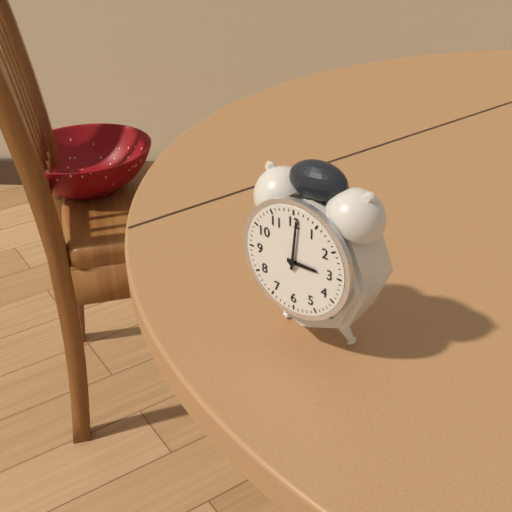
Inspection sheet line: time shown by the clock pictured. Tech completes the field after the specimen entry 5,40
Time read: 3,01
